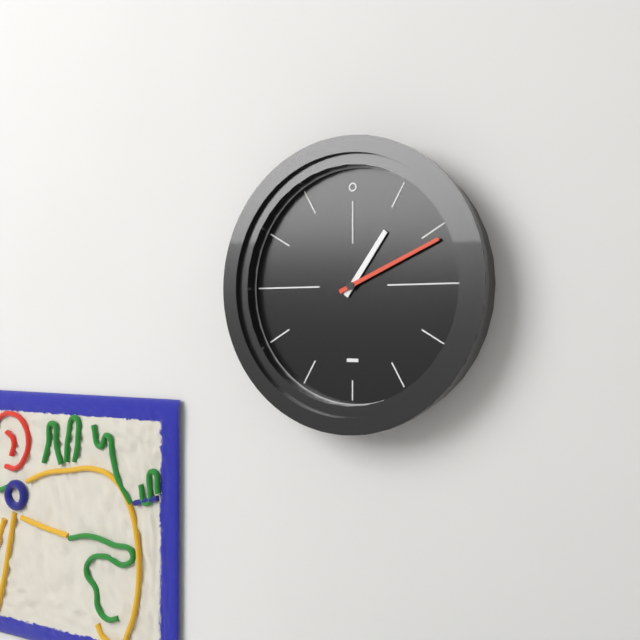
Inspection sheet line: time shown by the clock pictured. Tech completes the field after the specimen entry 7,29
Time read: 1,11
